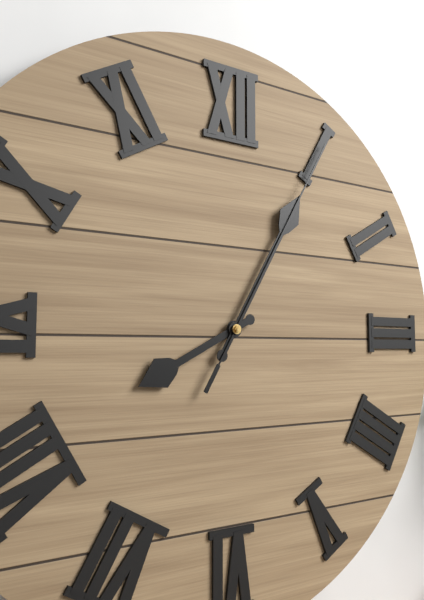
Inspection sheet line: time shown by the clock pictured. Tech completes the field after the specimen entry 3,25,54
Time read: 8,05,05
